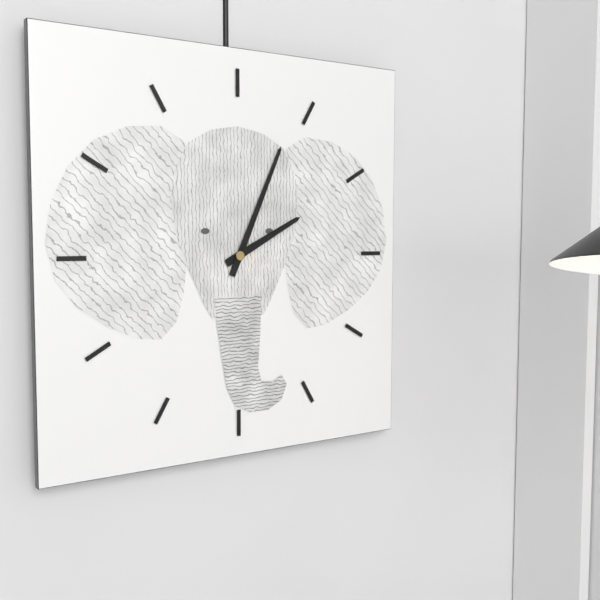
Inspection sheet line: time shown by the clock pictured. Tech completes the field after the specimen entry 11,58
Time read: 2,04
